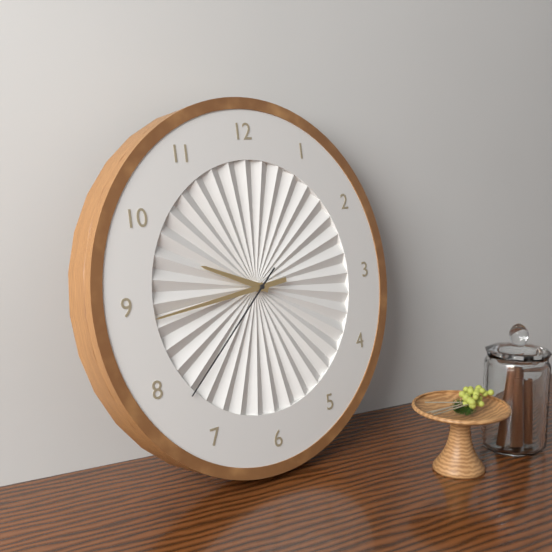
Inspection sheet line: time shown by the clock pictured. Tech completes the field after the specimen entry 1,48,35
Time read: 9,44,38
